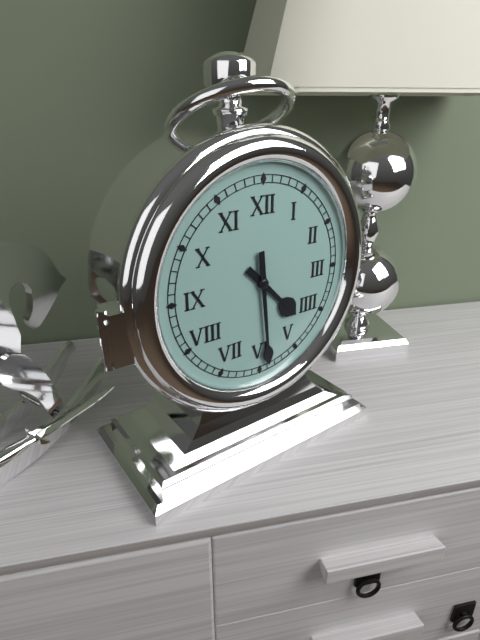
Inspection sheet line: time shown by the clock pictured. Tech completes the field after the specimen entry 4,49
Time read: 4,29
